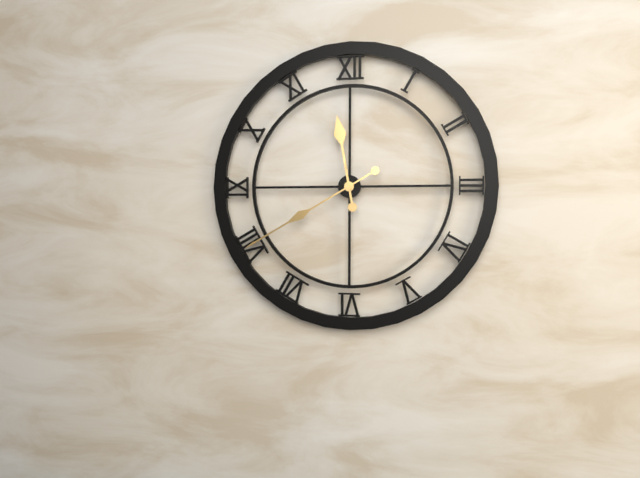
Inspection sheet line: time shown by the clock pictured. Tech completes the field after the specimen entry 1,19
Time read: 11,40
